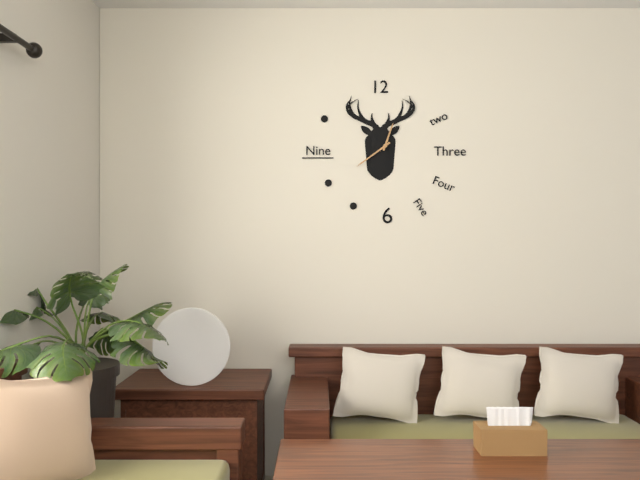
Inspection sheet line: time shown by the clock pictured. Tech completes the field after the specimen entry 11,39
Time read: 12,39
